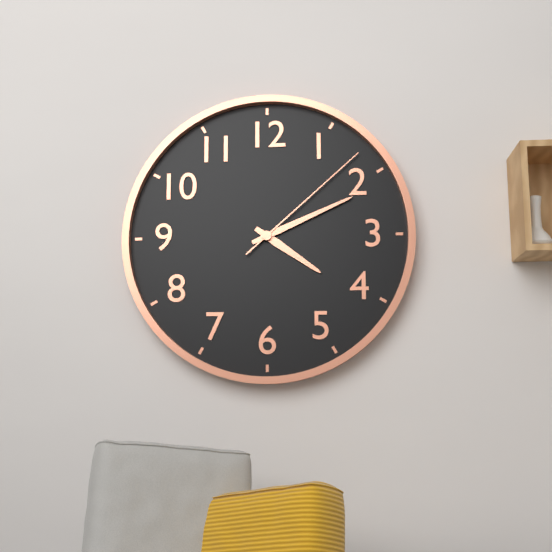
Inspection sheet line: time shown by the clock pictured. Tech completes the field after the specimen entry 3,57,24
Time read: 4,11,08
